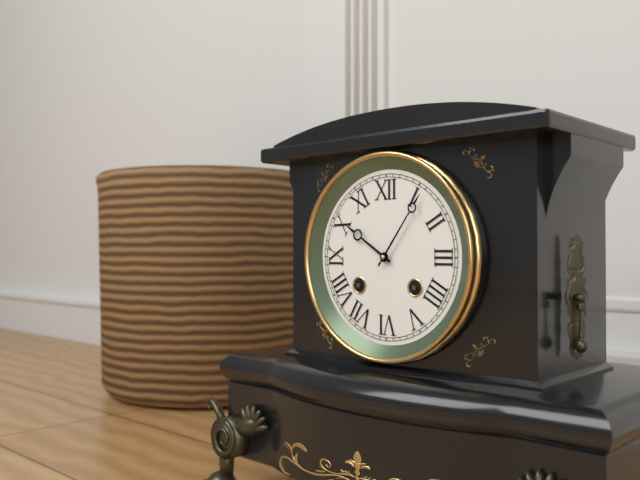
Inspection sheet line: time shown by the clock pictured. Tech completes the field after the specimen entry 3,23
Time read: 10,06
